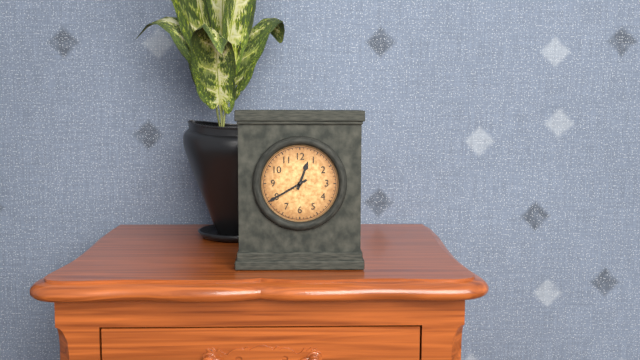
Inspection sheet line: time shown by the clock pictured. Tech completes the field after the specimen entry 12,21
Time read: 12,40
